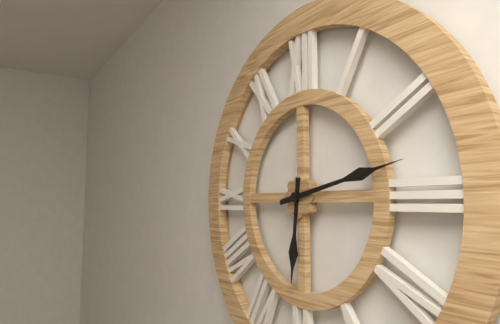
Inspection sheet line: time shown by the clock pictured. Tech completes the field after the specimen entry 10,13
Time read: 6,13
